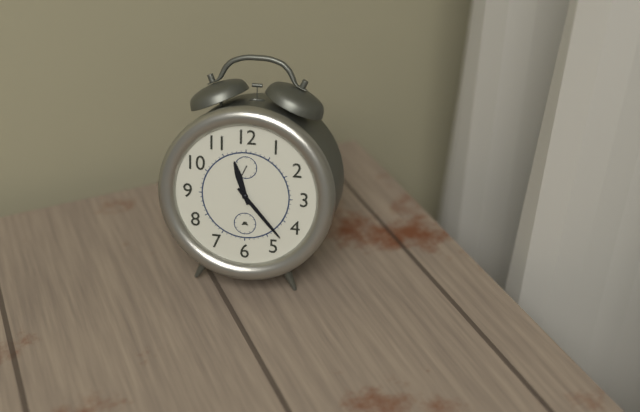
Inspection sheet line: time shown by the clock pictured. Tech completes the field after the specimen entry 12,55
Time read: 11,23
